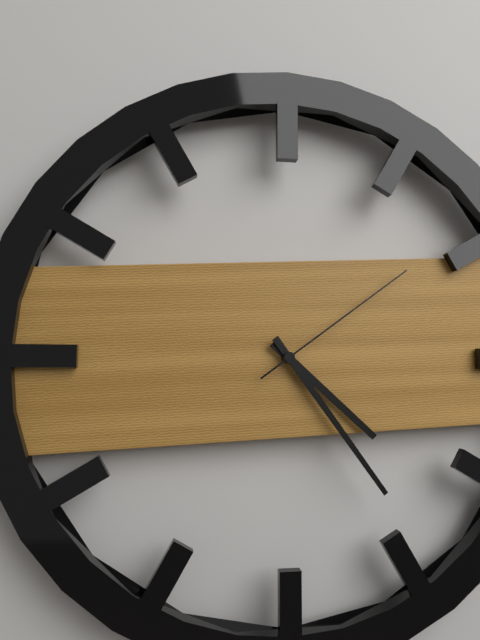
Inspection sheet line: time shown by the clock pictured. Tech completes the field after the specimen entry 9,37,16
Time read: 4,24,09
